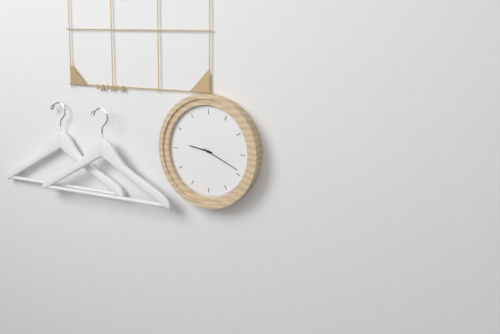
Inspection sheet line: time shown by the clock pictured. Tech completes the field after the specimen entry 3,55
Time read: 9,19
